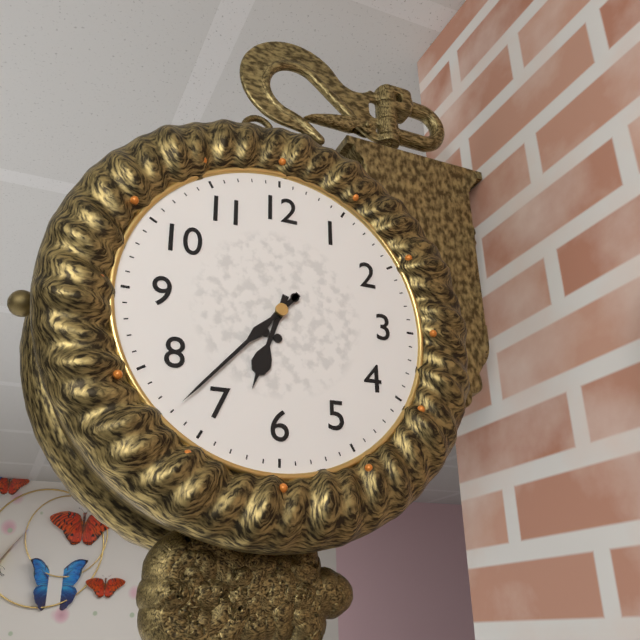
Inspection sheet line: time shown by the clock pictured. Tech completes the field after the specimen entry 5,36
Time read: 6,37
